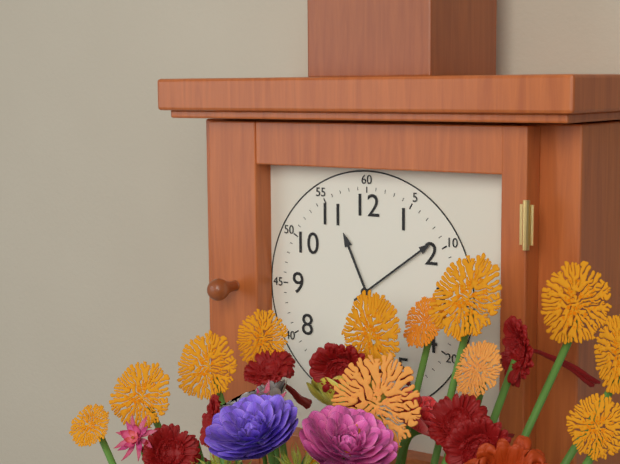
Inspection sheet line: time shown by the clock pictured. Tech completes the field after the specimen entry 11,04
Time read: 11,09
